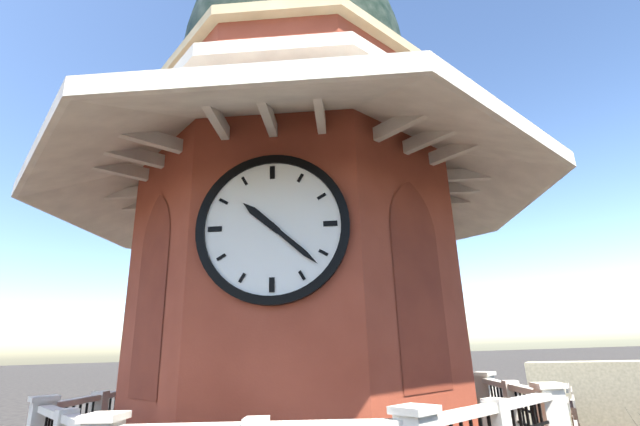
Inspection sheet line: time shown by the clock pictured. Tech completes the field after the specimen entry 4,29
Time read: 10,22
